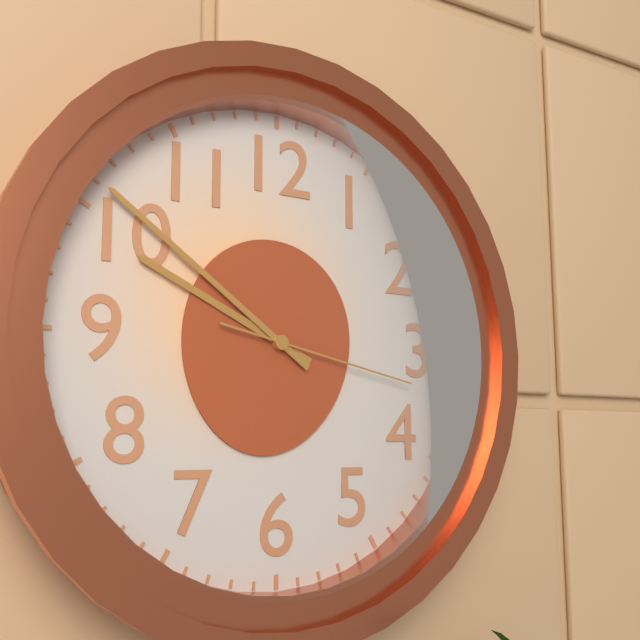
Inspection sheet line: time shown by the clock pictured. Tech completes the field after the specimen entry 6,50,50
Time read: 9,51,17
